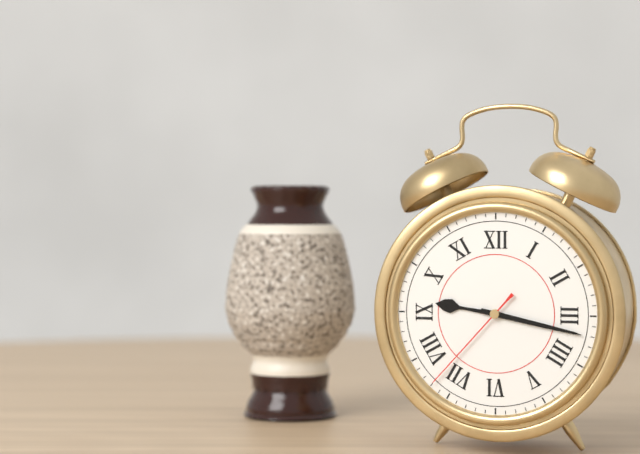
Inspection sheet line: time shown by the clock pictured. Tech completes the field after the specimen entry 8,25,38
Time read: 9,17,37
